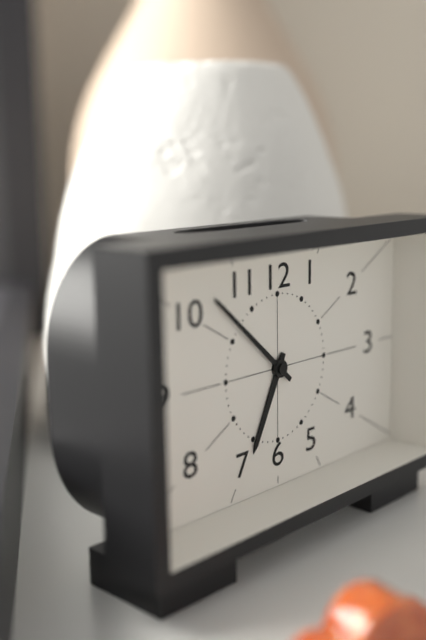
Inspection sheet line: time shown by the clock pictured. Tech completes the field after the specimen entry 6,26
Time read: 6,52
